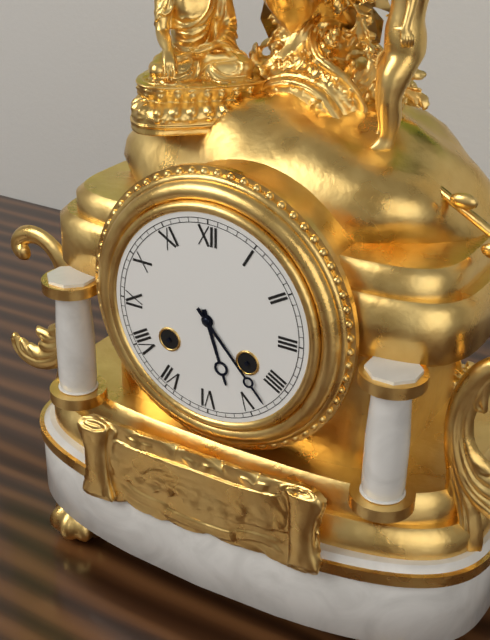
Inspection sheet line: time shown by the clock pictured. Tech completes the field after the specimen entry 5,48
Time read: 5,23
